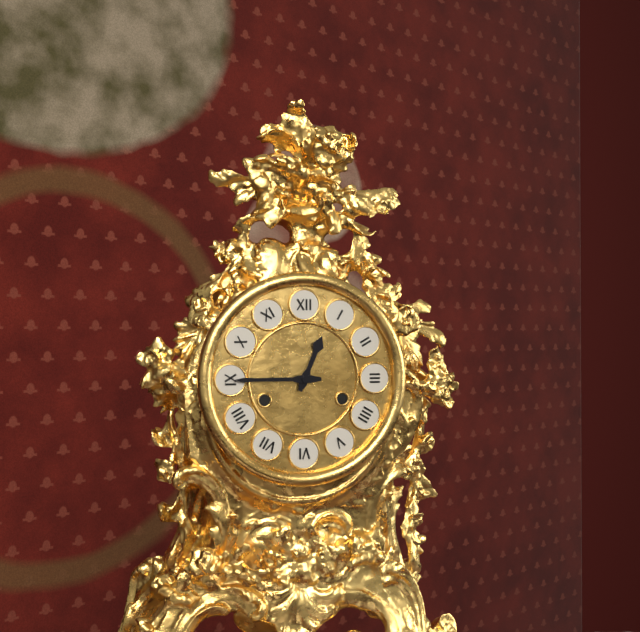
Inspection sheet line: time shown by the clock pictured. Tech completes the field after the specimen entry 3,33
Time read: 12,45
